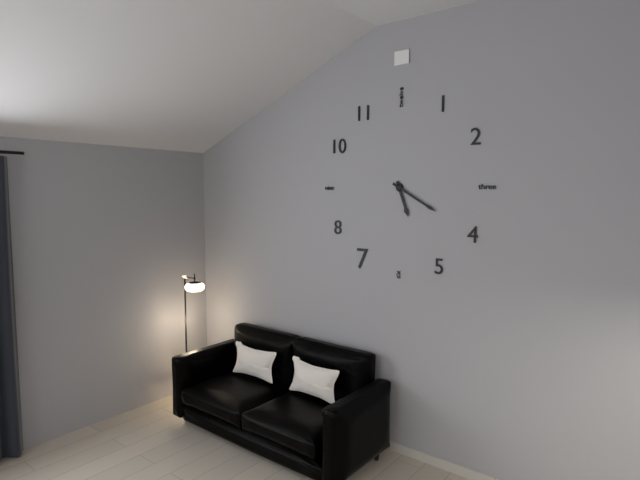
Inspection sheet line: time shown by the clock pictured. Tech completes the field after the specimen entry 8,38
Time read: 5,20
